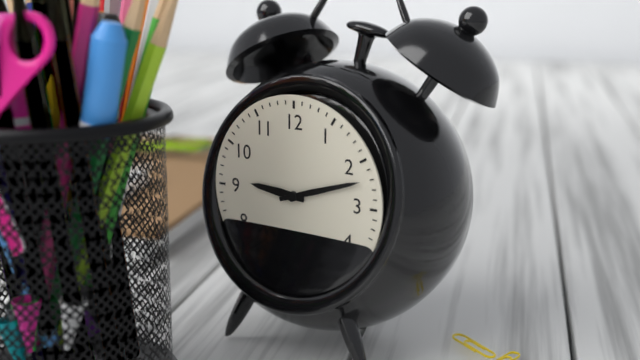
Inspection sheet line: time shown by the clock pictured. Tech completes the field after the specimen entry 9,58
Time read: 9,12
